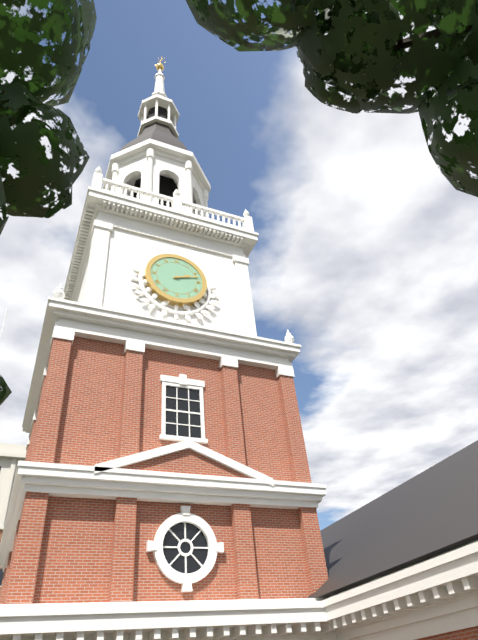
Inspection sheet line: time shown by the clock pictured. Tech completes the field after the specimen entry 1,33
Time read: 2,12
